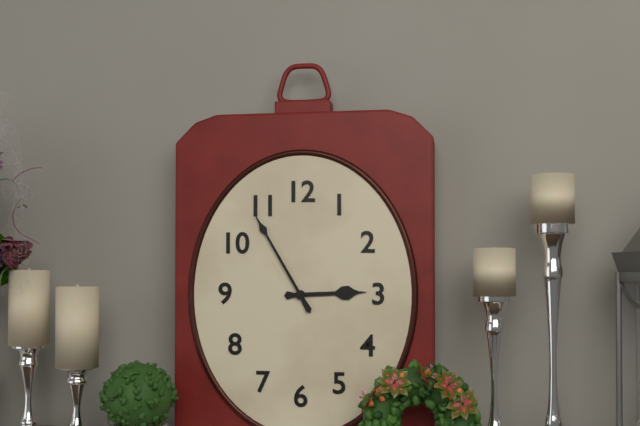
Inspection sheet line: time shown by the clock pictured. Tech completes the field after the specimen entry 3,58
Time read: 2,55
